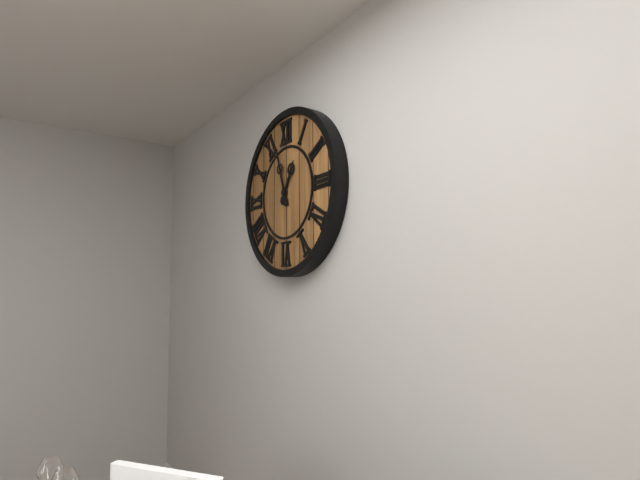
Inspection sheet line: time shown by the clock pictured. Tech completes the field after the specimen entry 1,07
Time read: 12,57
